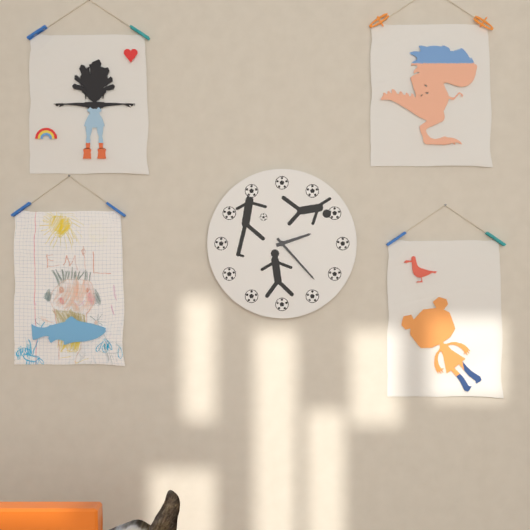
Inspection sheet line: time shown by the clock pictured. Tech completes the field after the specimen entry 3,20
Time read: 2,23
